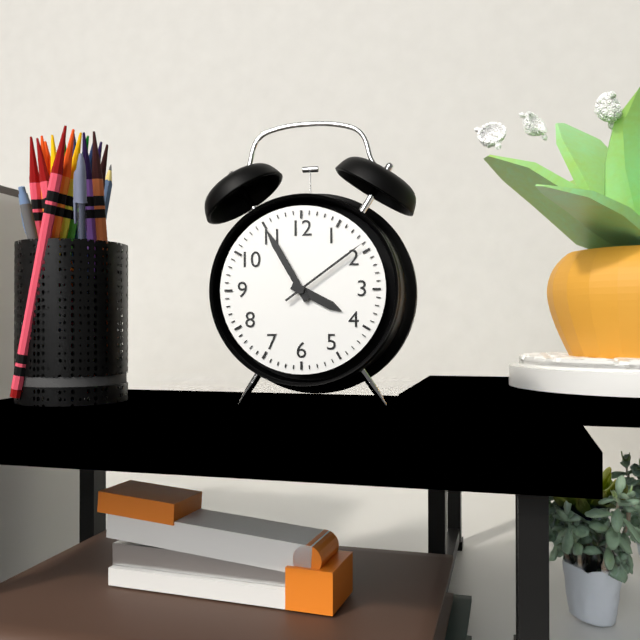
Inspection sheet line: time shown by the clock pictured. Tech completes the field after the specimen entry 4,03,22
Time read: 3,55,09
